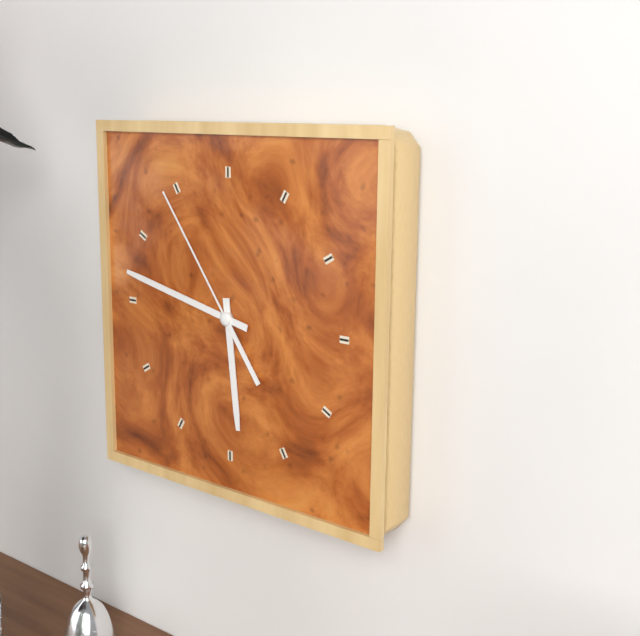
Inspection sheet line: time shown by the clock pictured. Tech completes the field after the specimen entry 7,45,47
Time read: 5,47,54
